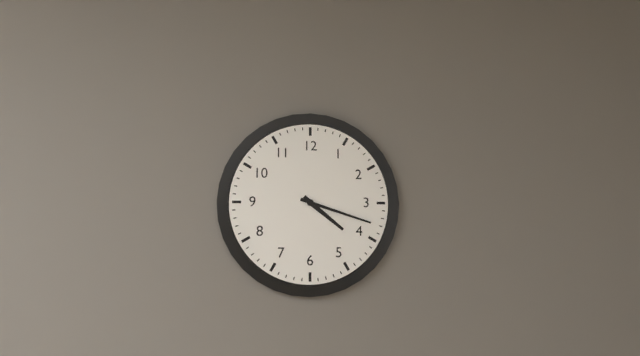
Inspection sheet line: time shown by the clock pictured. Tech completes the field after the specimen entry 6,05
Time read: 4,18
